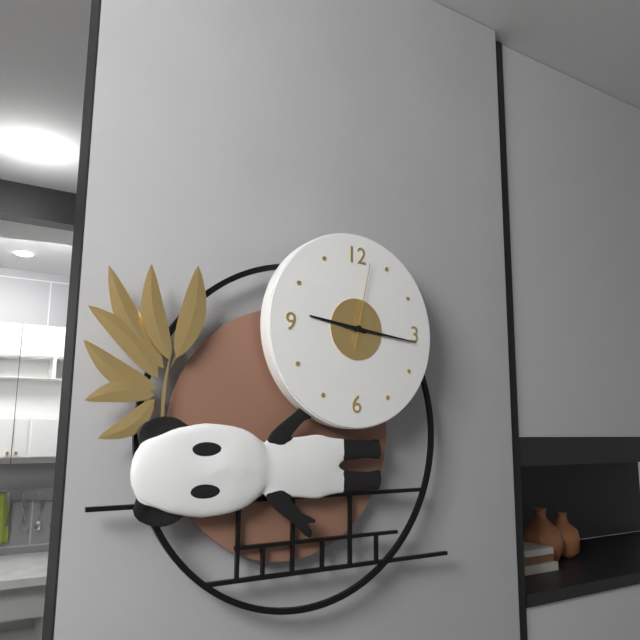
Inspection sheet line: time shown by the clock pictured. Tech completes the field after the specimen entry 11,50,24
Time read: 9,16,02
